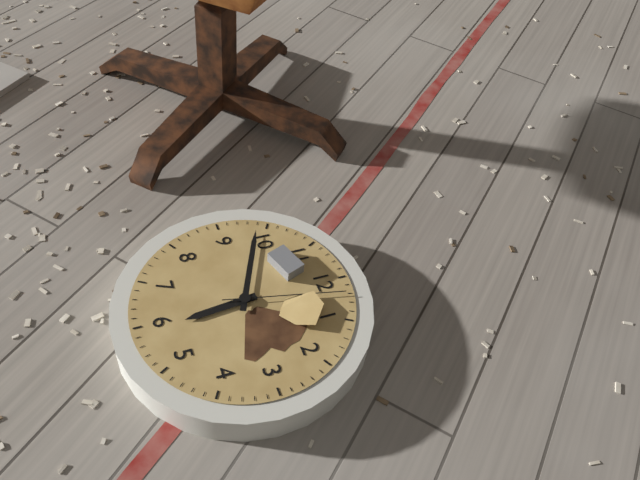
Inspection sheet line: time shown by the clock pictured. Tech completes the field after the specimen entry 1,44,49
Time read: 5,49,02
